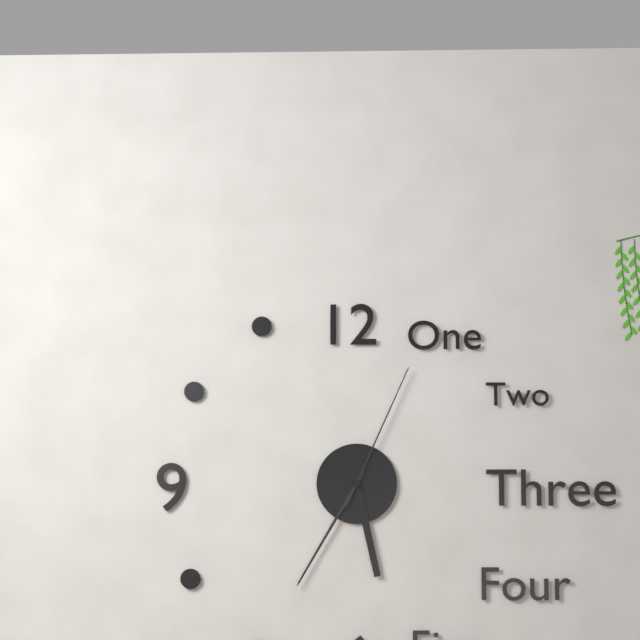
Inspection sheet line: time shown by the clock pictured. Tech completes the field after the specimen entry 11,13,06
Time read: 5,35,04
